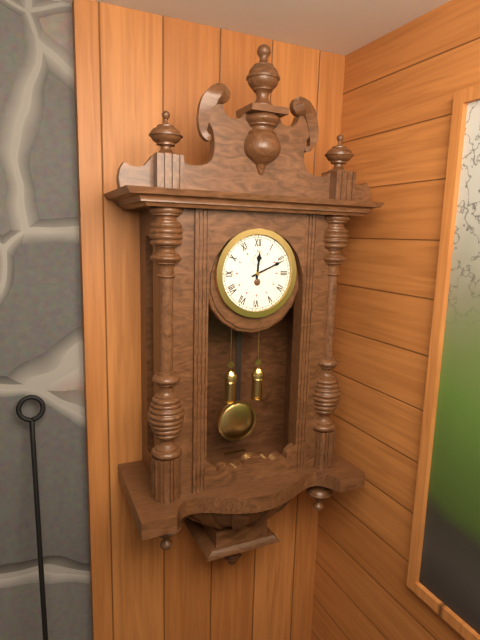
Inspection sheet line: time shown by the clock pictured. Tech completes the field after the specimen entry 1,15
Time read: 12,11
